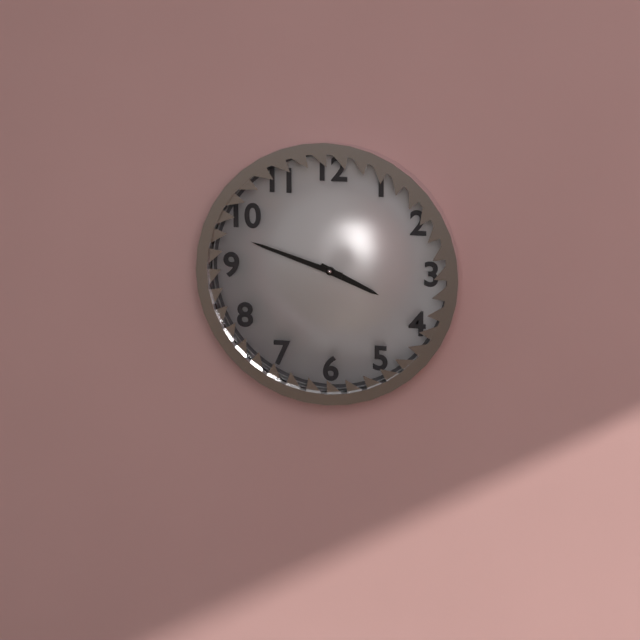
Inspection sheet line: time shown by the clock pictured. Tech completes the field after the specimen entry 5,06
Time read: 3,48
